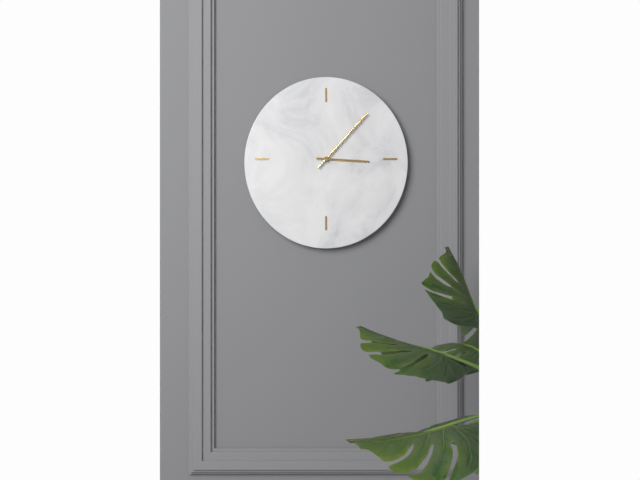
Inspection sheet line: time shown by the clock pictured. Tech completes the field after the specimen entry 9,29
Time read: 3,07
